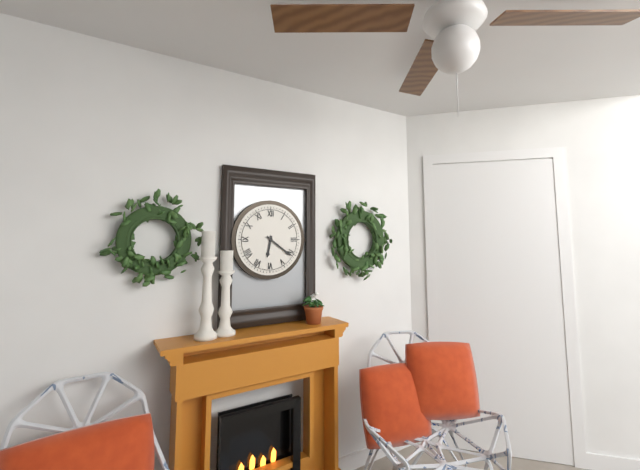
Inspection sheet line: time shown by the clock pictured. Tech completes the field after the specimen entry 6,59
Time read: 6,21
